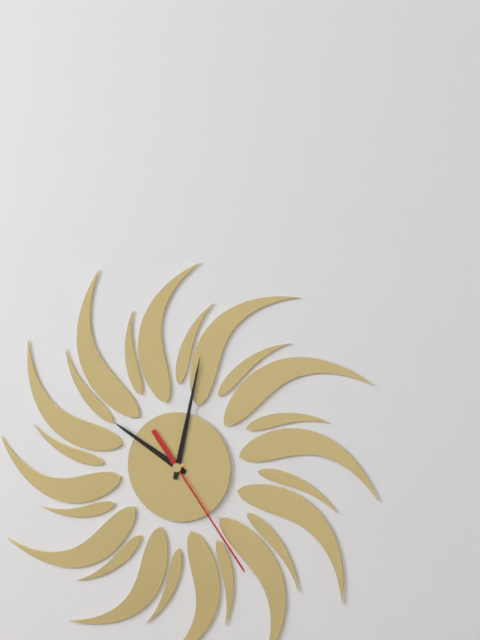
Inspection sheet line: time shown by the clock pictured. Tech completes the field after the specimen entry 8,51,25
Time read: 10,02,24
